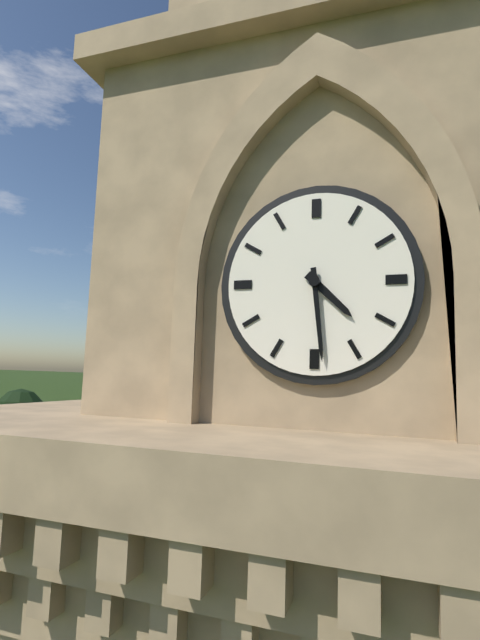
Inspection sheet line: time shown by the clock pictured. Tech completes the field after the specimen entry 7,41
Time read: 4,29
